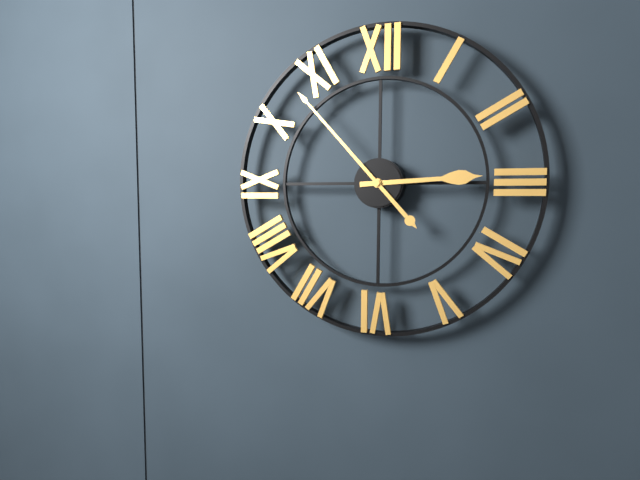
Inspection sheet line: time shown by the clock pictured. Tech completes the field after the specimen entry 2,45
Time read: 2,53
